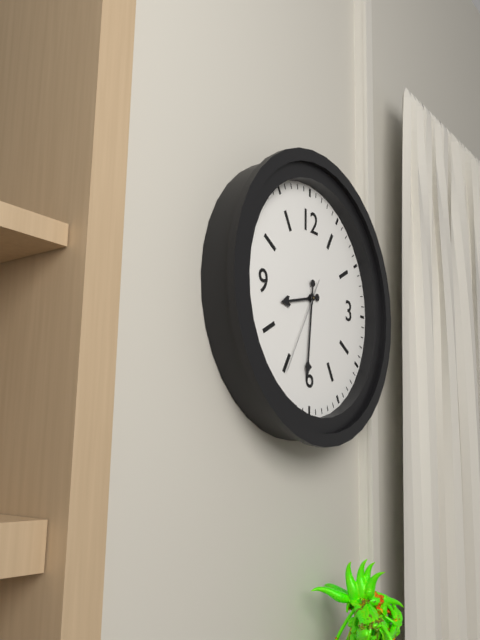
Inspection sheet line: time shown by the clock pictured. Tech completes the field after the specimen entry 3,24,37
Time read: 8,31,35
